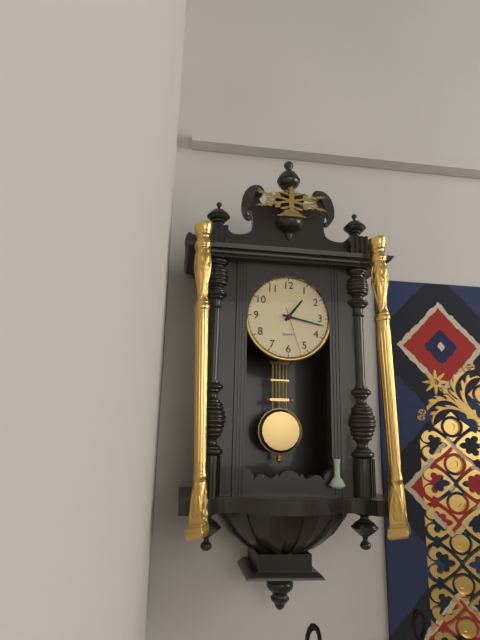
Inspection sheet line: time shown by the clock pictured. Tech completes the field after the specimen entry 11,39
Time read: 1,17
